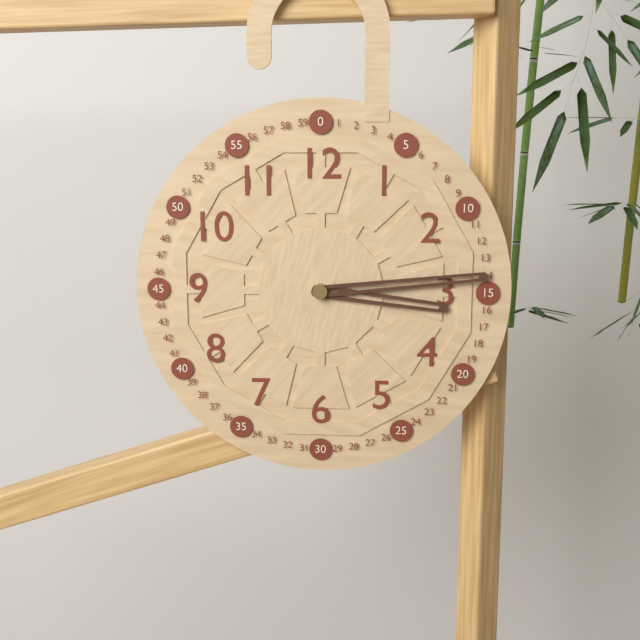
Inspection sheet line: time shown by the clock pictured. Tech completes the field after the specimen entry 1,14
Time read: 3,14
